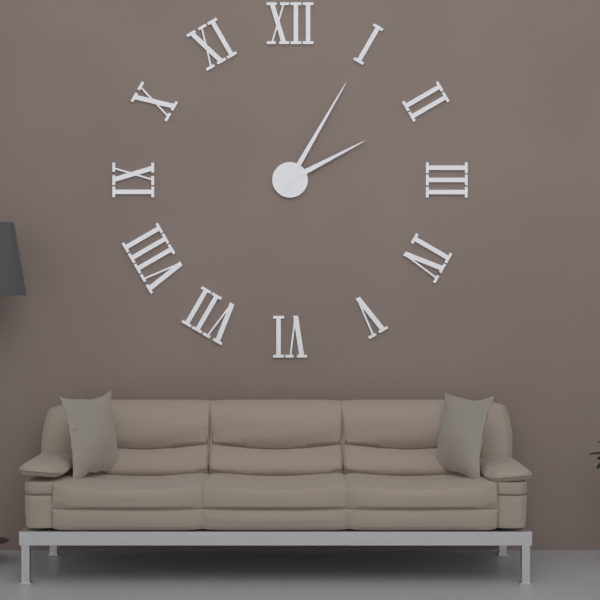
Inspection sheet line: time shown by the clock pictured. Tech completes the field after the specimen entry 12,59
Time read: 2,05
